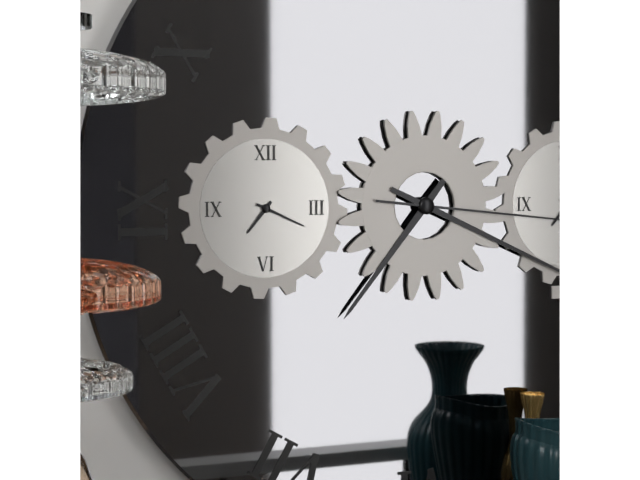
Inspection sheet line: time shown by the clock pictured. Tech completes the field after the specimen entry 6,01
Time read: 7,19
